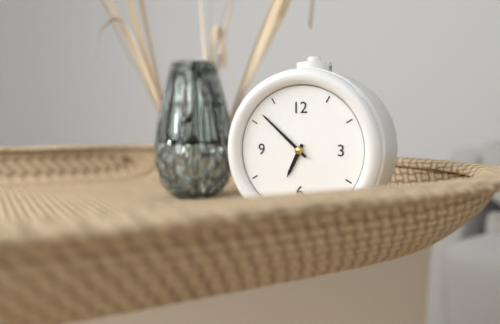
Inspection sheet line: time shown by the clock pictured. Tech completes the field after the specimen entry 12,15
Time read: 6,52
